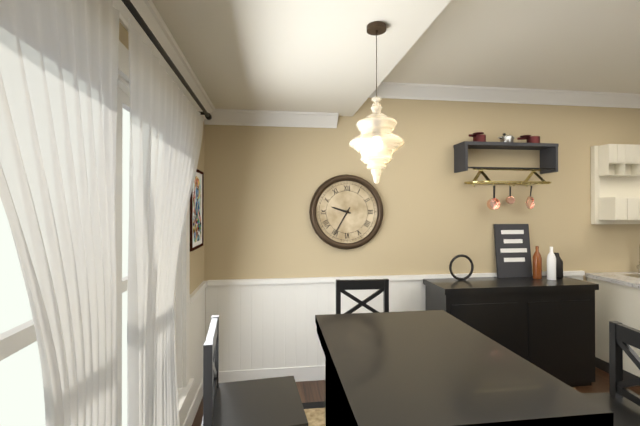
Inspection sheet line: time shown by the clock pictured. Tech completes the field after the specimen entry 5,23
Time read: 9,35
